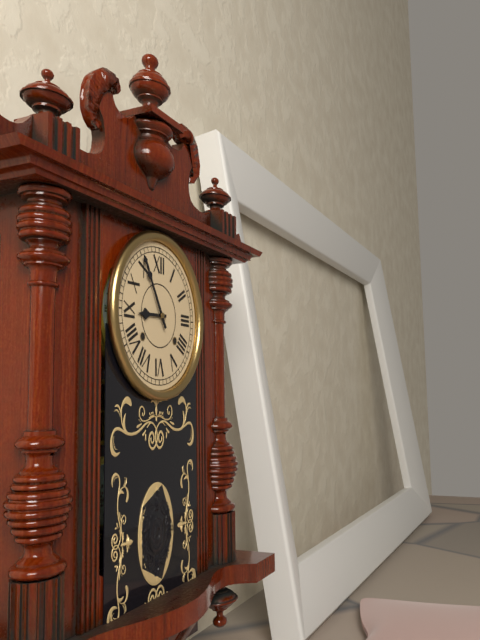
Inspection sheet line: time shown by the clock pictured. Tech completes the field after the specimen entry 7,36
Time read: 8,55
